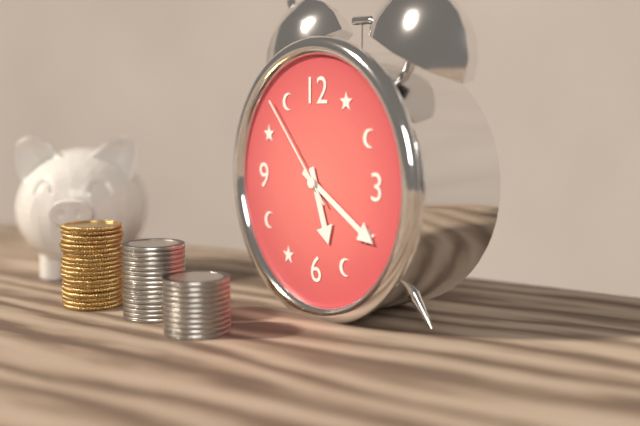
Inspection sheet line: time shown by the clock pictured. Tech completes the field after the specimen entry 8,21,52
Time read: 5,20,53
